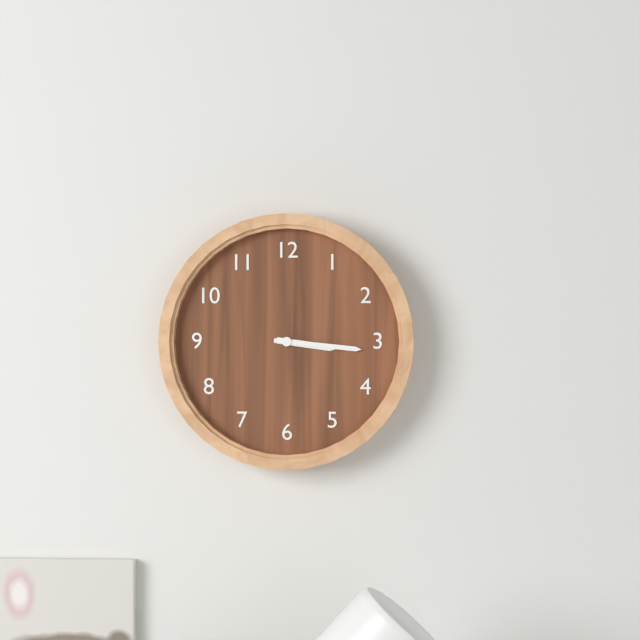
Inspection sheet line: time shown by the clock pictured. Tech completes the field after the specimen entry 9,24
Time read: 3,16
